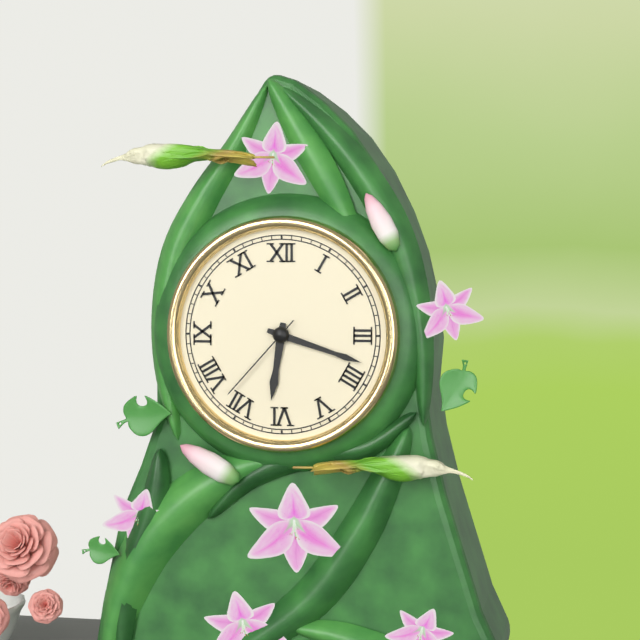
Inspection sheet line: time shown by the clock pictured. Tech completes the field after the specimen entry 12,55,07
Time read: 6,18,37
